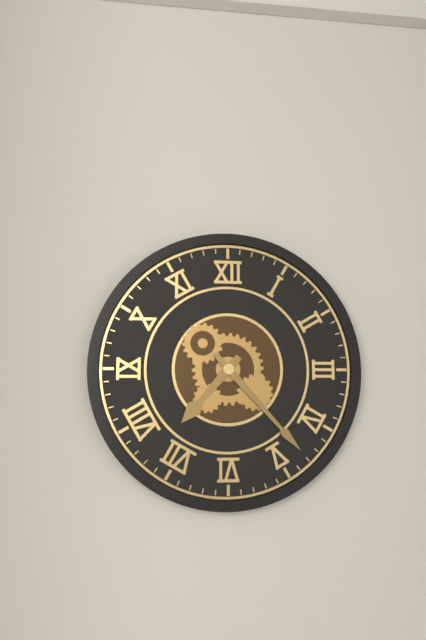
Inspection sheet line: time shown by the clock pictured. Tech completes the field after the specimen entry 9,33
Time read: 7,23
